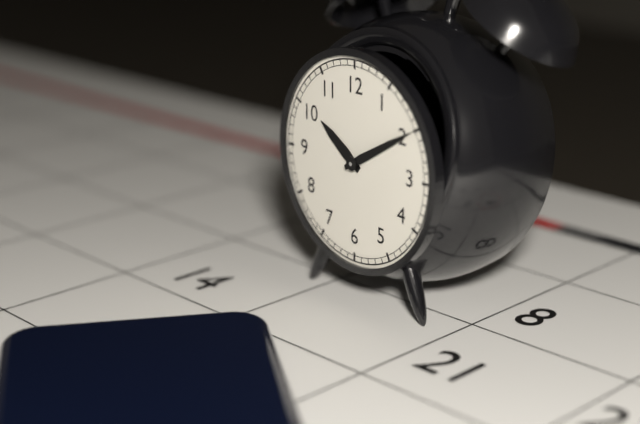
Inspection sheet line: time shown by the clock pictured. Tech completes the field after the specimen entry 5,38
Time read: 10,10
